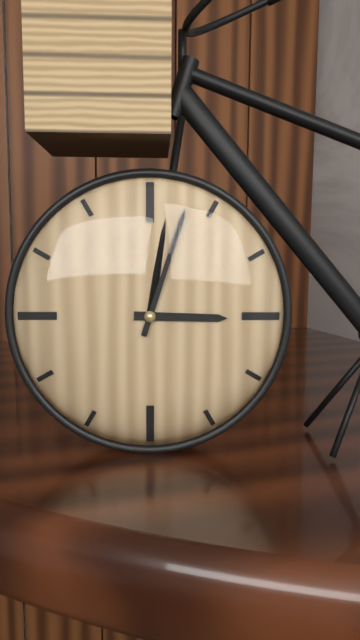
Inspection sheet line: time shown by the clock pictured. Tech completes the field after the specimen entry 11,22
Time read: 3,03
